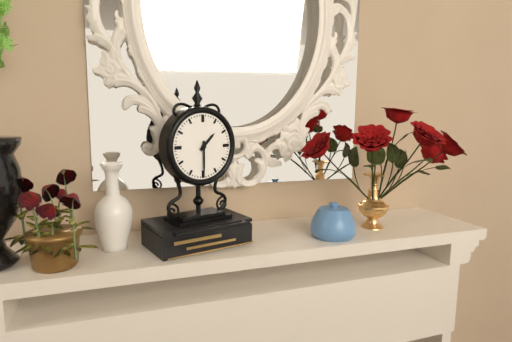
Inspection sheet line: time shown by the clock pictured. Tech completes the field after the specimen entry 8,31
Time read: 1,30
